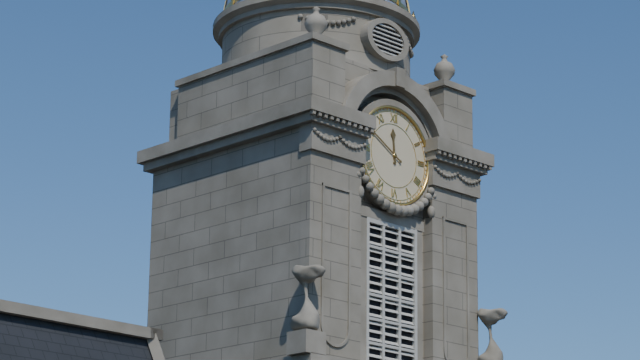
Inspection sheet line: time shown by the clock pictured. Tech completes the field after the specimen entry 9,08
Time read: 11,50
